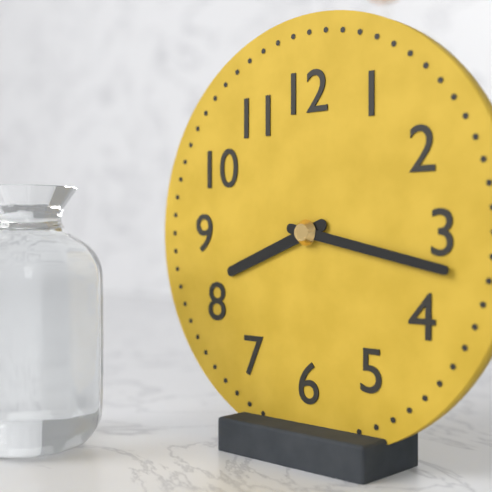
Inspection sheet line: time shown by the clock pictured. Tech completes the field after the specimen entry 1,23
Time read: 8,17
